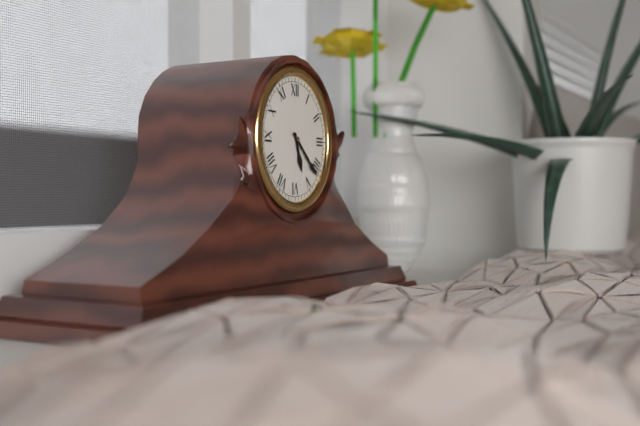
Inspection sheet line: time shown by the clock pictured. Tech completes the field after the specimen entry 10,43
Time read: 5,22
